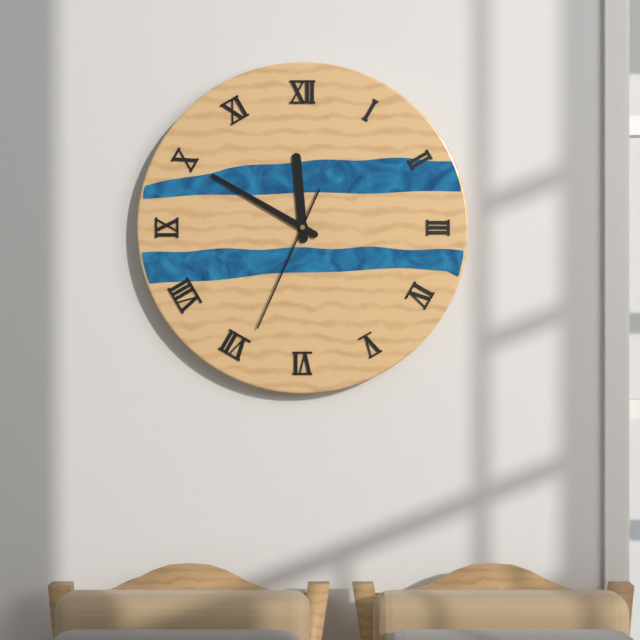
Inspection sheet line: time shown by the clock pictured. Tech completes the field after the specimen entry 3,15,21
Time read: 11,50,34
